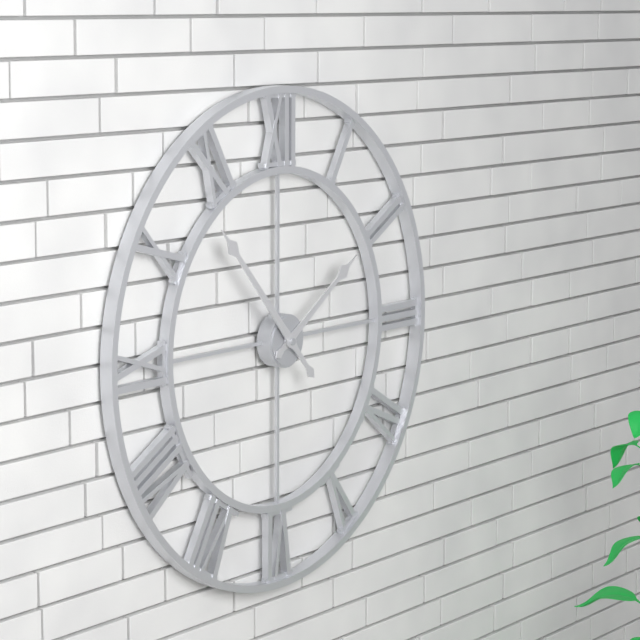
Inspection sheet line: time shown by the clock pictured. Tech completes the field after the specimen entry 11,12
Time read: 1,53
